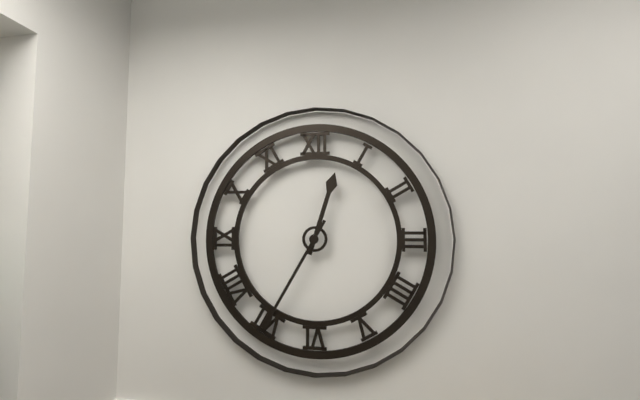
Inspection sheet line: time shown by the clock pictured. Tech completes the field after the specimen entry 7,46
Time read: 12,35
